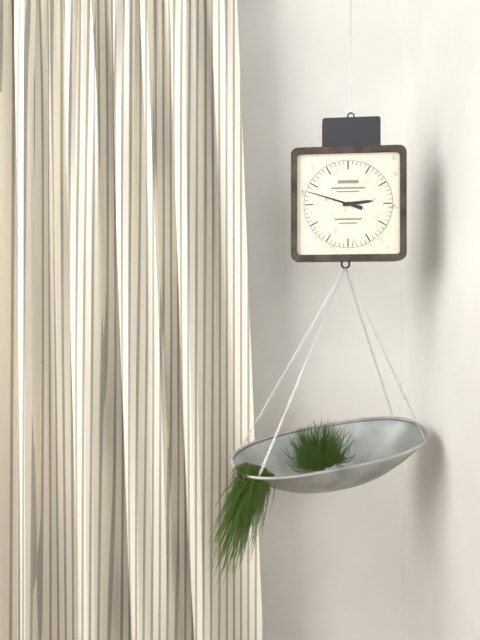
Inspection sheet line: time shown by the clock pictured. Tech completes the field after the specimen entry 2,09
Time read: 2,48
